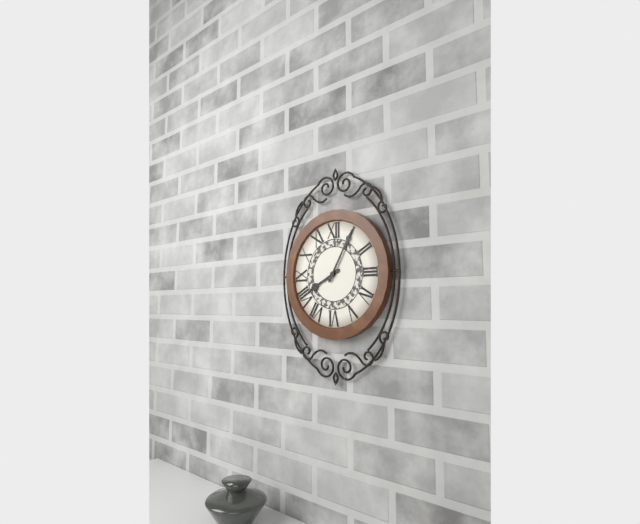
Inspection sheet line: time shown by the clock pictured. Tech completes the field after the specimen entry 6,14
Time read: 8,05
